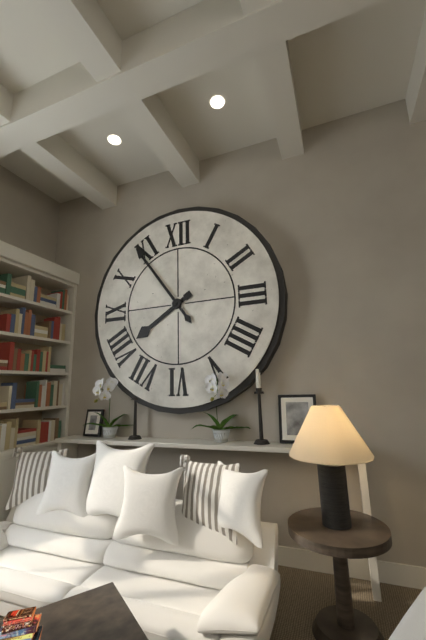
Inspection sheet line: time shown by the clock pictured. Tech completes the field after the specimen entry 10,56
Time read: 7,54
